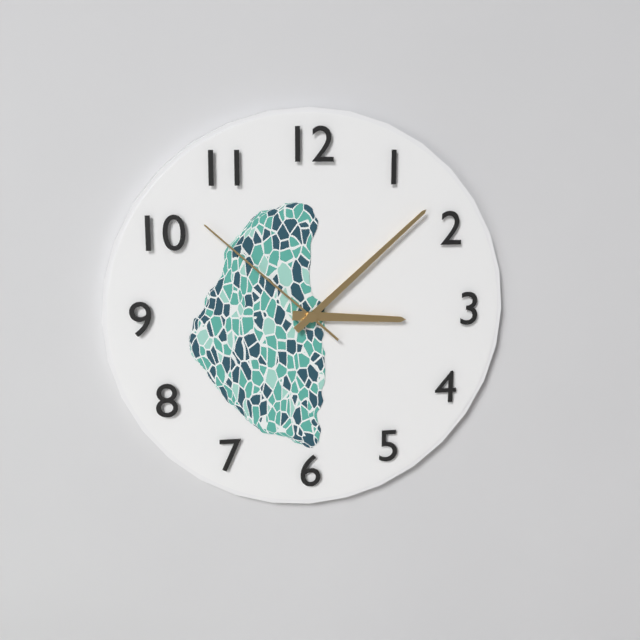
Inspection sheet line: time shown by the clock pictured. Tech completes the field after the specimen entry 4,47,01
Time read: 3,08,52
